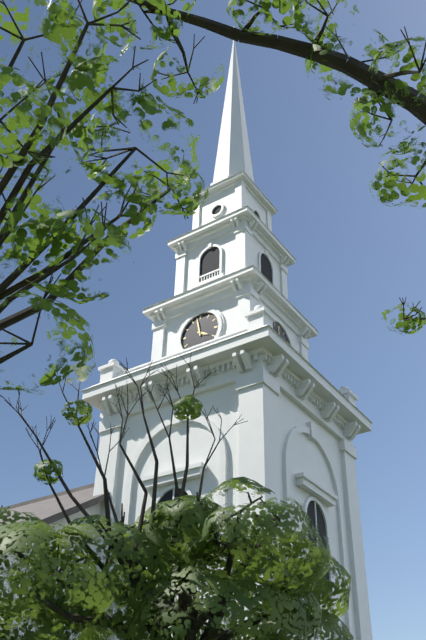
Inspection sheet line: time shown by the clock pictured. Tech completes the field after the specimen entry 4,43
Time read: 3,58
